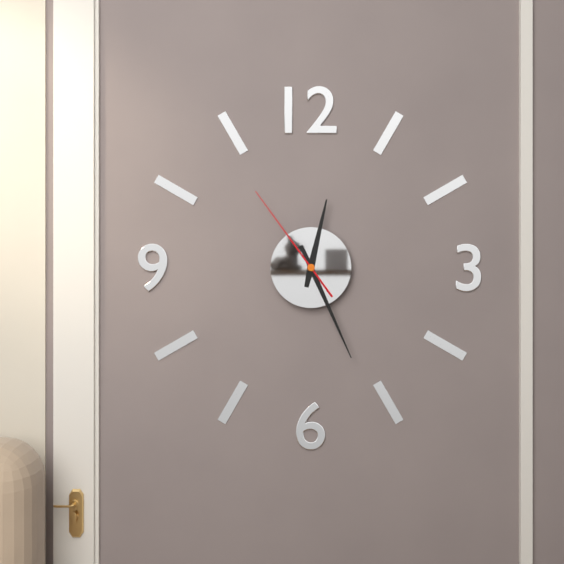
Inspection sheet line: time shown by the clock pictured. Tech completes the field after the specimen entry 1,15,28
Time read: 12,26,54
